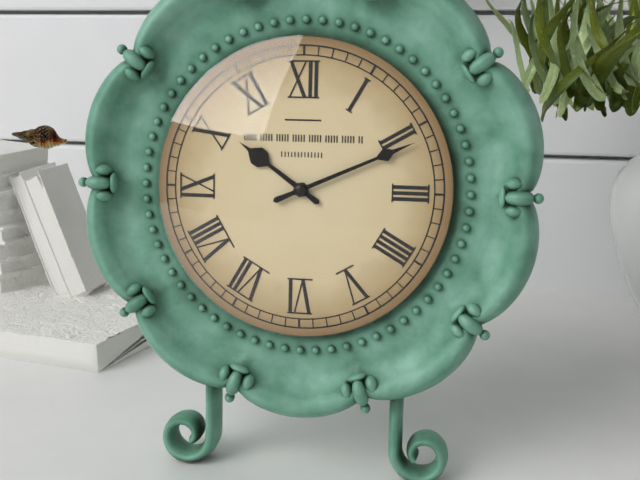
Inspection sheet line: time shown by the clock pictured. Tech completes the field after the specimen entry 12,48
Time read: 10,11
